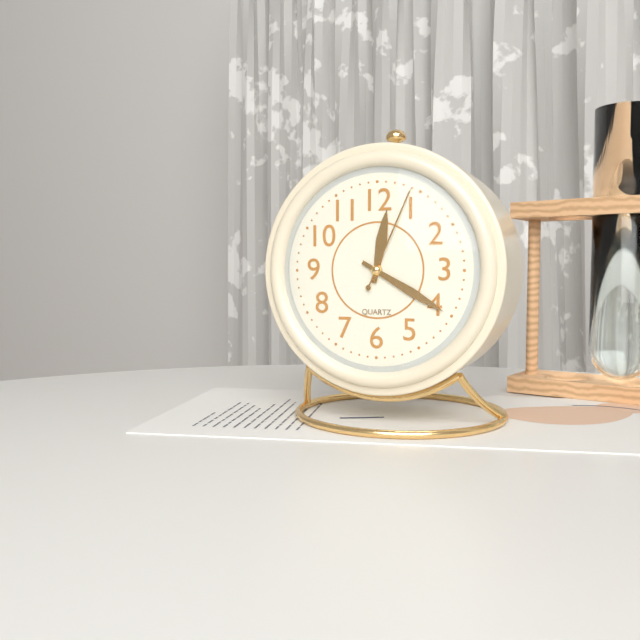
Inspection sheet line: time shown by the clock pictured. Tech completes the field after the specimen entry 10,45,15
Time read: 12,20,04
